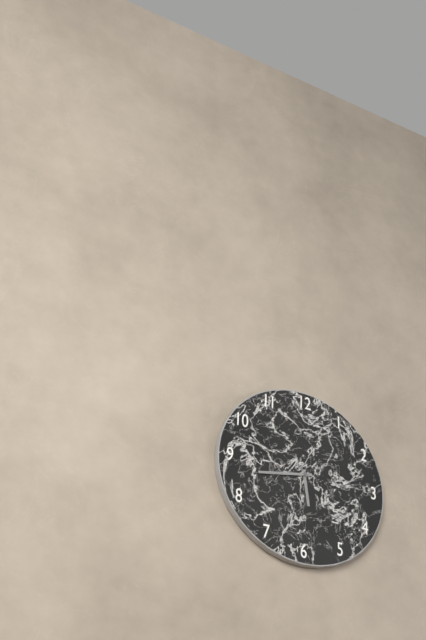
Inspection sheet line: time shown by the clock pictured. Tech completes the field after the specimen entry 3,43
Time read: 5,43
